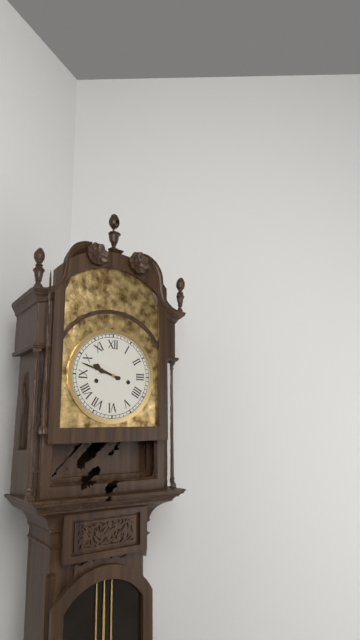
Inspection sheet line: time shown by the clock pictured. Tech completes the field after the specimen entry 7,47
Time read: 9,48
